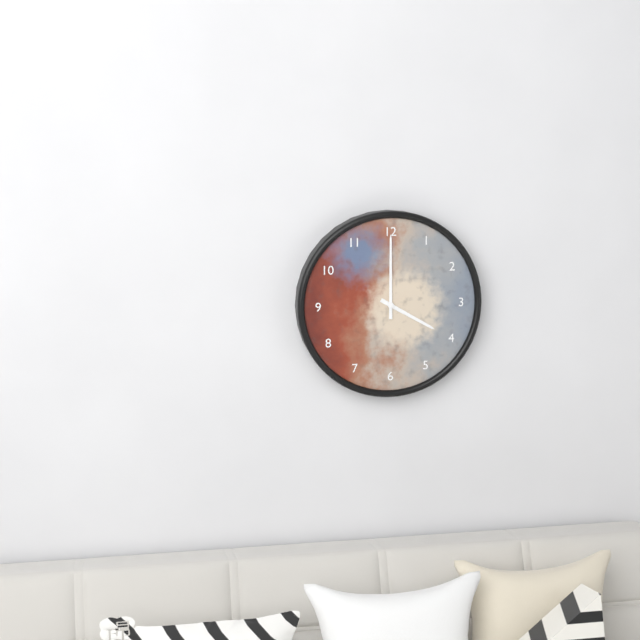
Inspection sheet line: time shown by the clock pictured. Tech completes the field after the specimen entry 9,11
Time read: 4,00
